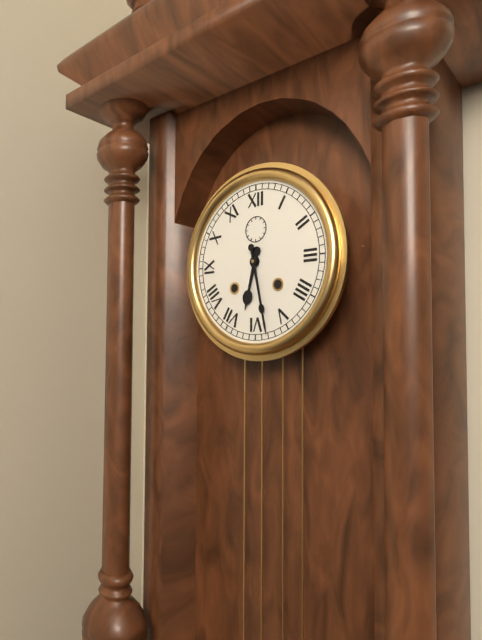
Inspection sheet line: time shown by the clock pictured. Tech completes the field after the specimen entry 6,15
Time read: 6,28
